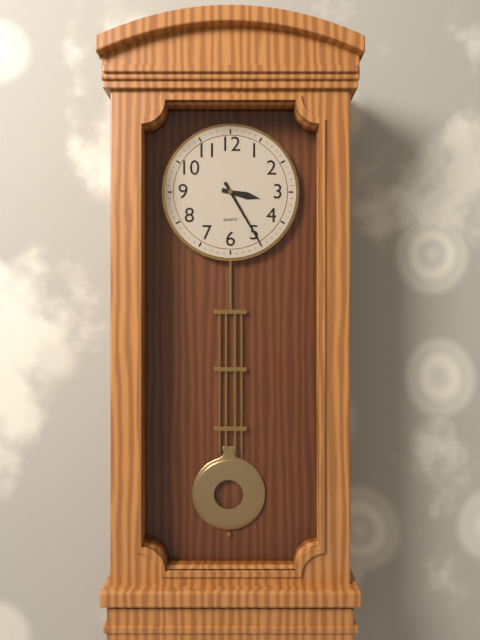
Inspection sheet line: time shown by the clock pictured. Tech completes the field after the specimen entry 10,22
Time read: 3,25
